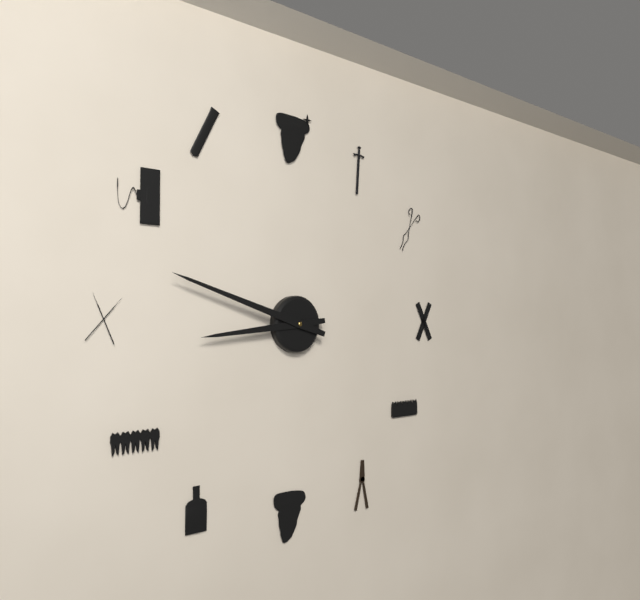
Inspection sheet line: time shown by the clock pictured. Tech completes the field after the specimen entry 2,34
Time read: 8,48
